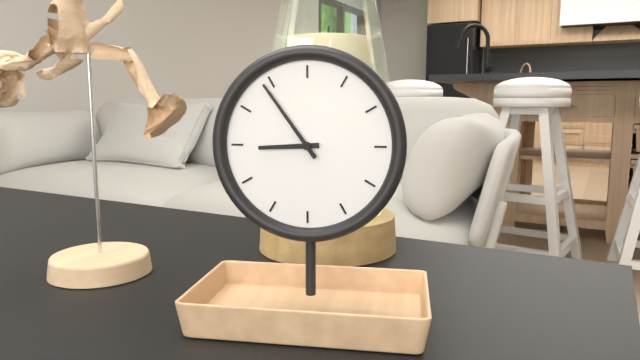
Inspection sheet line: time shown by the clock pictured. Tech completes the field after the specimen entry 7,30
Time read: 8,54
